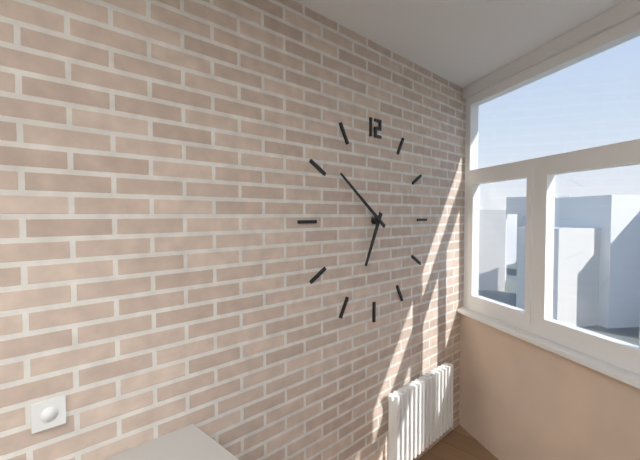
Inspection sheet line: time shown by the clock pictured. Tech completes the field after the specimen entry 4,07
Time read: 6,51
